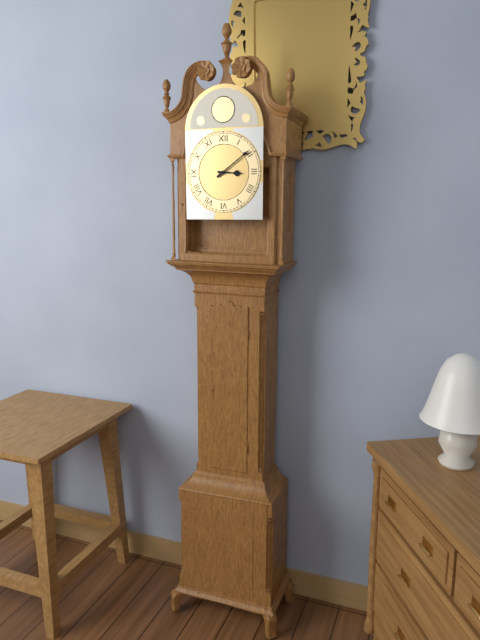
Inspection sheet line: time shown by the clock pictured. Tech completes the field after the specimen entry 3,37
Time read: 3,09
